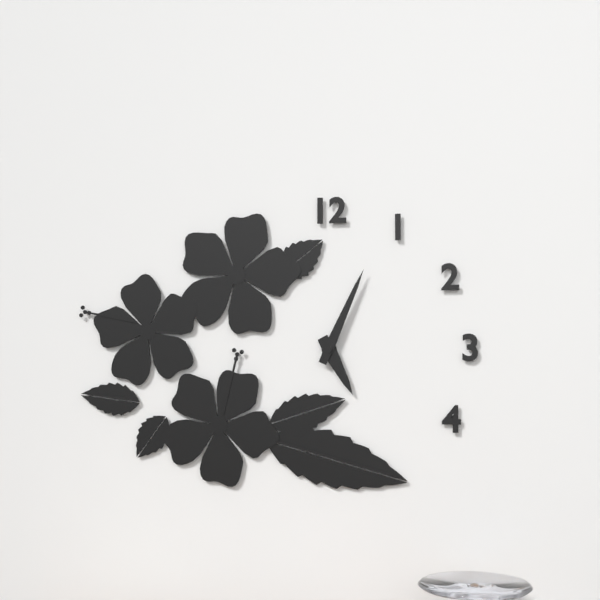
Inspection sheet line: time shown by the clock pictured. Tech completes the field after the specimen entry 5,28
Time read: 5,04
